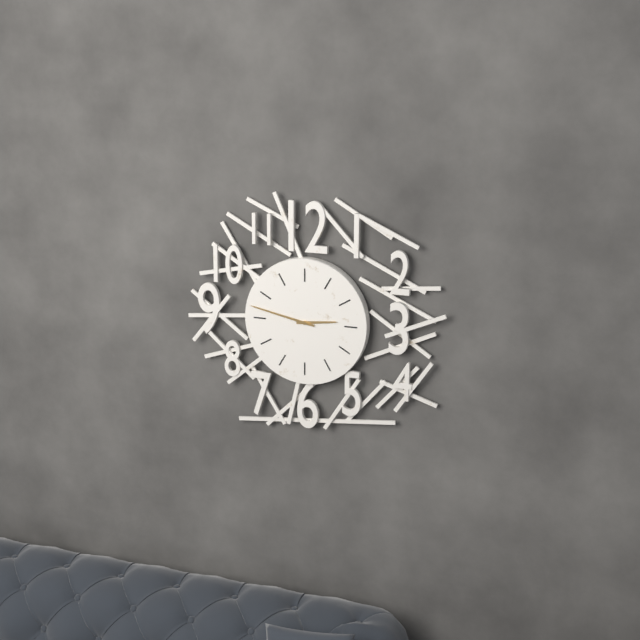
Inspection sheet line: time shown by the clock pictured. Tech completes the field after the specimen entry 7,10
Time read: 2,47
